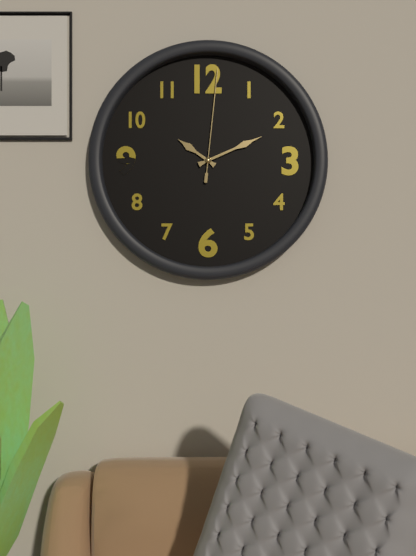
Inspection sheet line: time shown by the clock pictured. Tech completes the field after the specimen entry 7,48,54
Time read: 10,11,01
